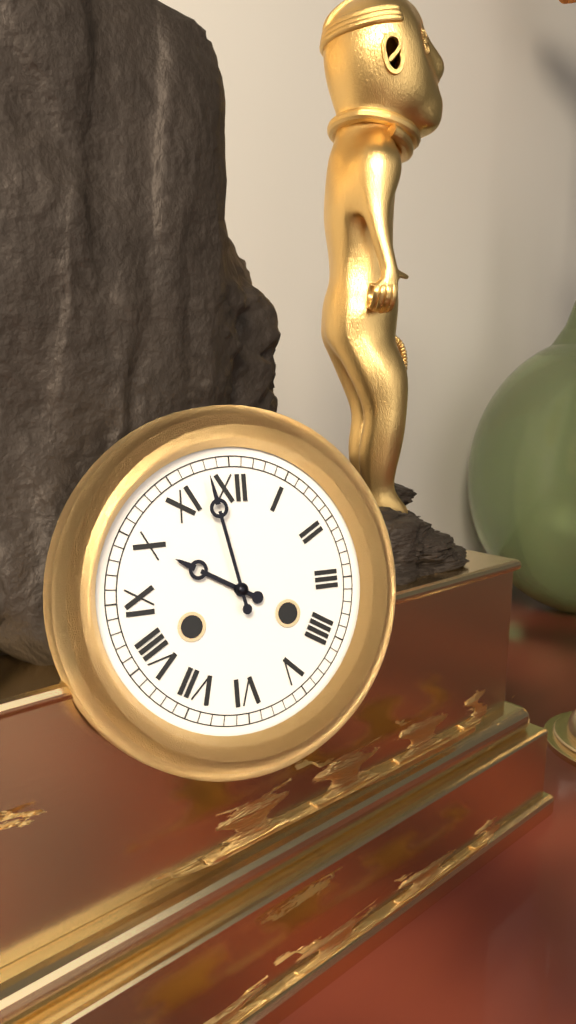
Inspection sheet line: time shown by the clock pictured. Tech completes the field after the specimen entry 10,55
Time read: 9,58
